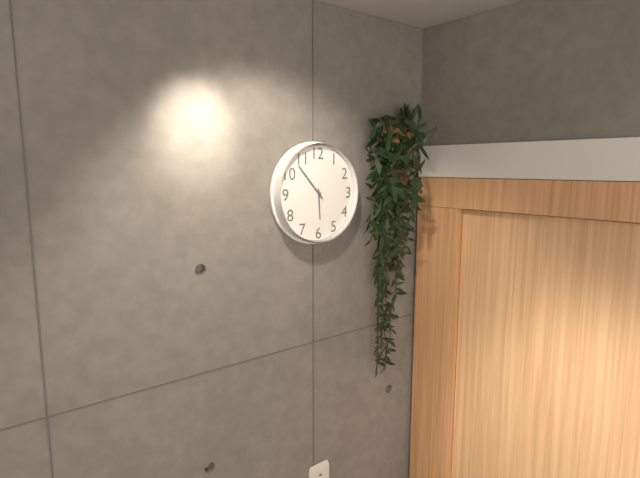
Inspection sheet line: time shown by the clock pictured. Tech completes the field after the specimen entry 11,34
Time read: 5,53
